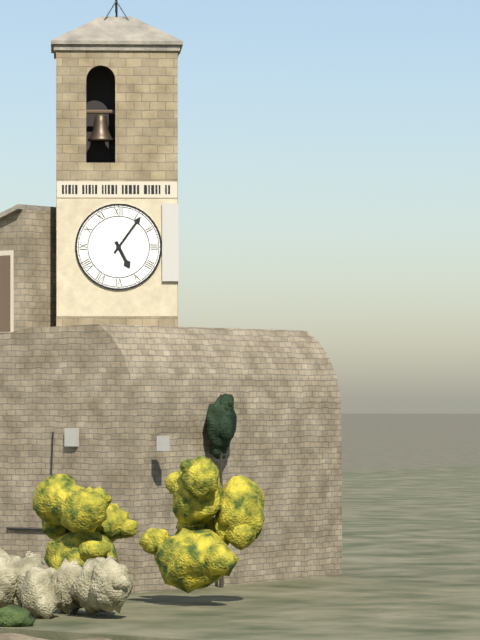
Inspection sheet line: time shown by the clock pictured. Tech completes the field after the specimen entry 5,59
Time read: 5,06
